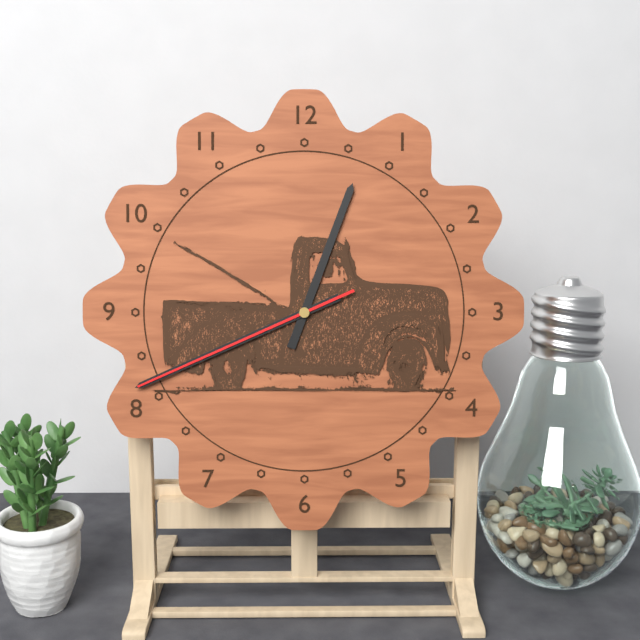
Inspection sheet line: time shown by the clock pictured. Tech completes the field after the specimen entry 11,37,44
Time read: 12,41,41
